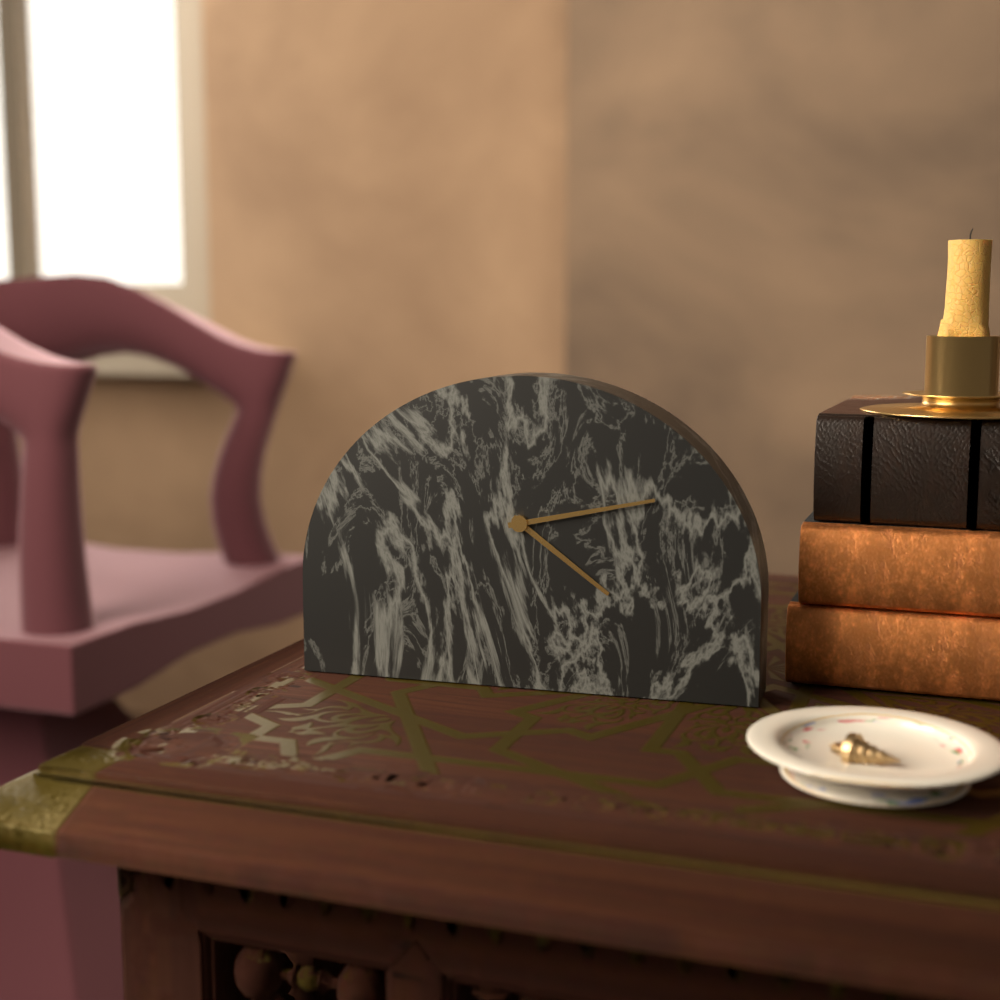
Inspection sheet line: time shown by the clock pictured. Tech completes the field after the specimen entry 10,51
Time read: 4,13
